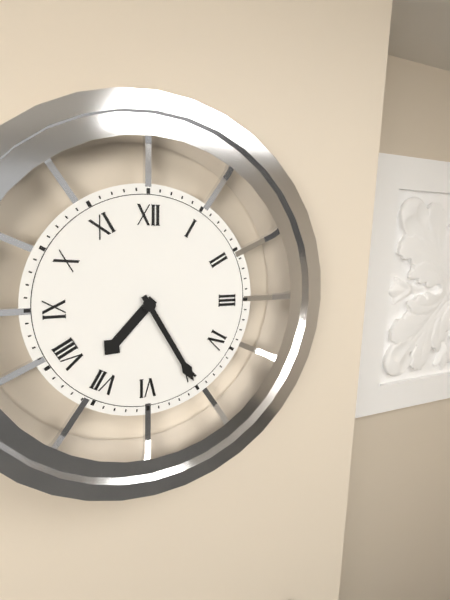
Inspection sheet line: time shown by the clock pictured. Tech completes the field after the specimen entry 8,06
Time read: 7,25
